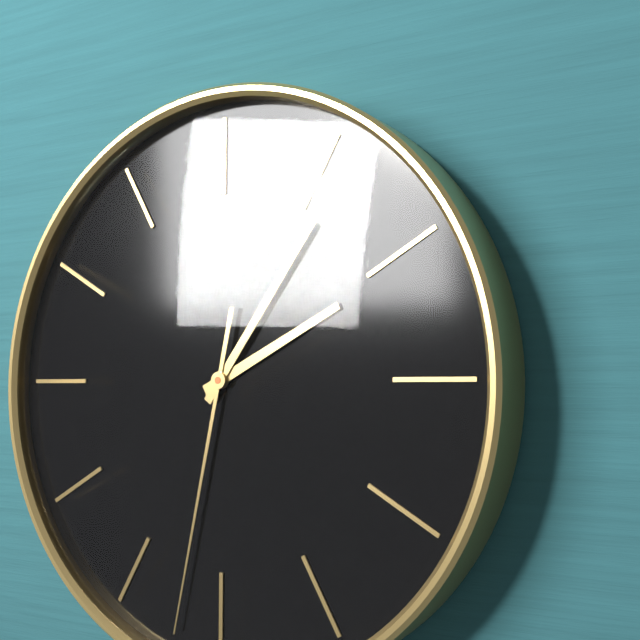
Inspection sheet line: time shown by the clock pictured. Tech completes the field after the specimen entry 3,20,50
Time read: 2,06,32
